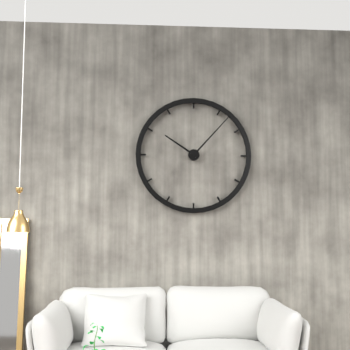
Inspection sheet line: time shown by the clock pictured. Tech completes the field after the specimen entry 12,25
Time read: 10,07
